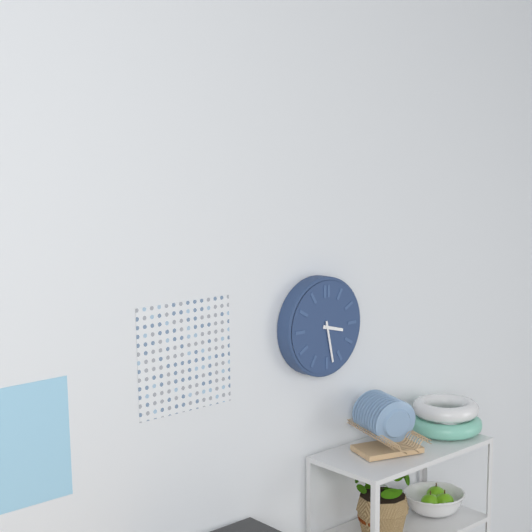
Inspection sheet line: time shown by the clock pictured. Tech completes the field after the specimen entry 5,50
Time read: 3,28
